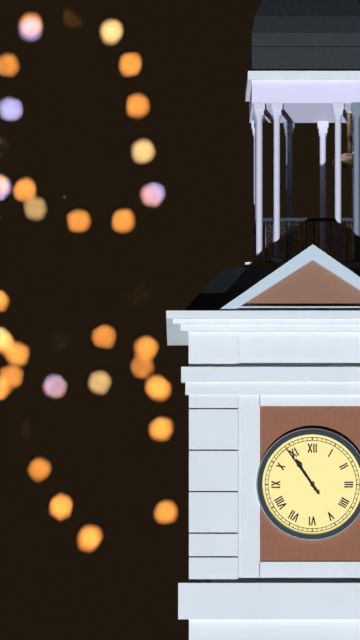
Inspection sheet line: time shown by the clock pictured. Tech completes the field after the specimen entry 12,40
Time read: 10,54
